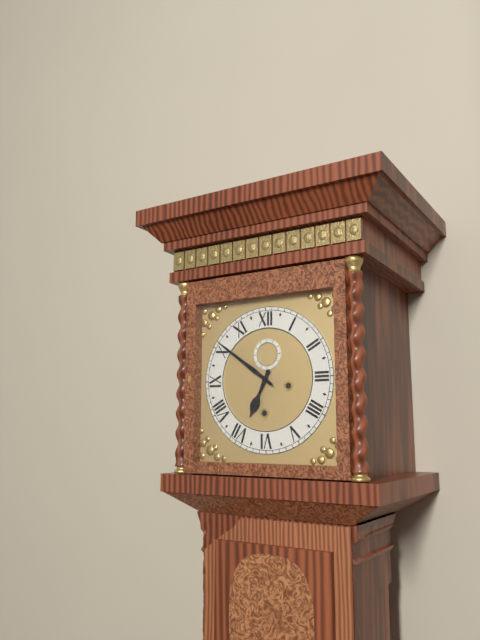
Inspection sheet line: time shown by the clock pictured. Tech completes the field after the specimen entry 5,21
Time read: 6,51
